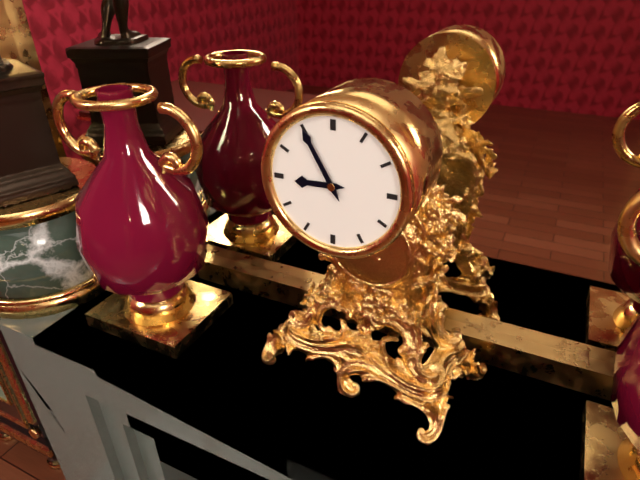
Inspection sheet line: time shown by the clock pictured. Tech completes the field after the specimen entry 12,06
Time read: 8,55
